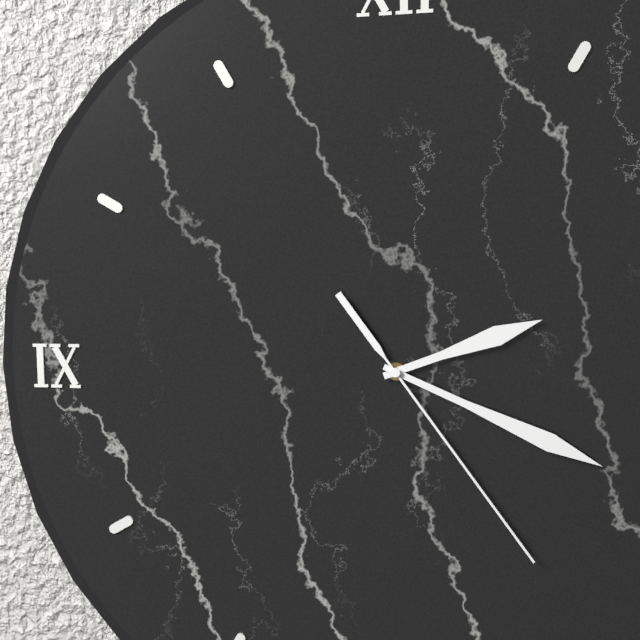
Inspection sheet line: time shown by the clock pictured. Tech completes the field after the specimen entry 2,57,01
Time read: 2,19,24
